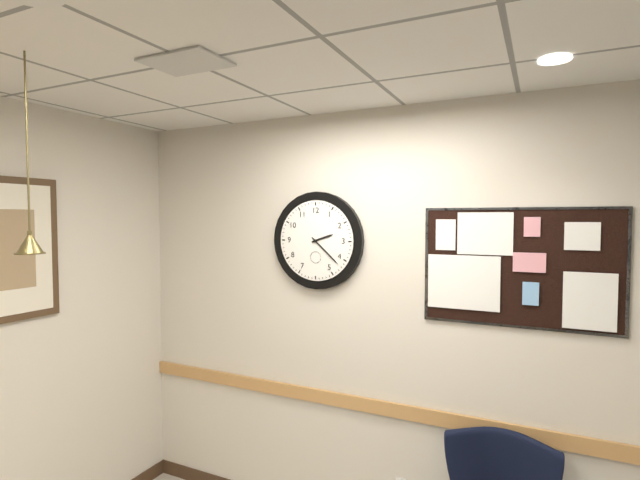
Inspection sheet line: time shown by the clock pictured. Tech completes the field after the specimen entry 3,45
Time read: 2,22
